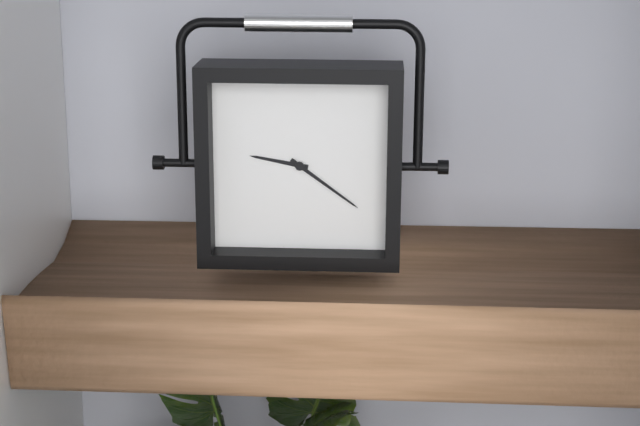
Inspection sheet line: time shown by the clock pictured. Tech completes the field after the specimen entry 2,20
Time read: 9,21
